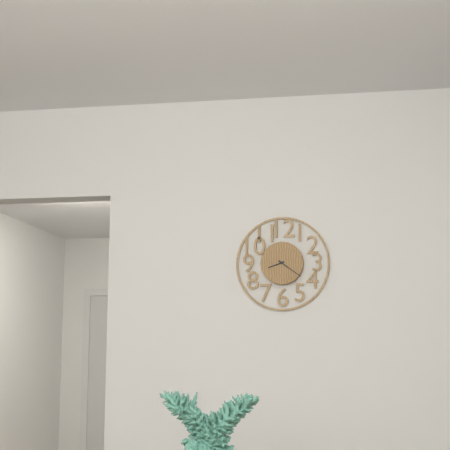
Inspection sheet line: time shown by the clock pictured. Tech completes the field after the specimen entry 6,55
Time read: 8,21
